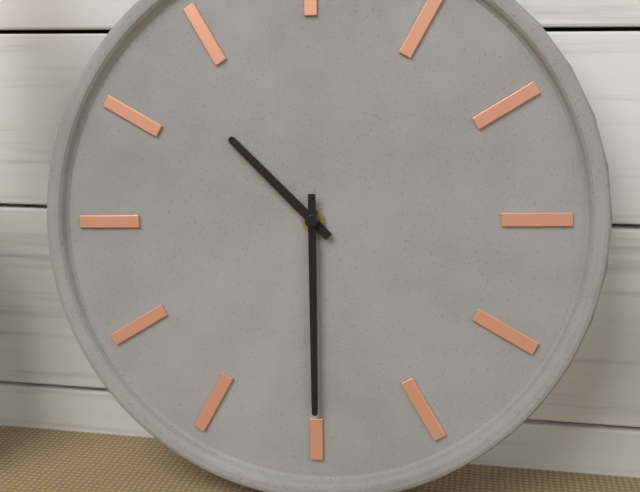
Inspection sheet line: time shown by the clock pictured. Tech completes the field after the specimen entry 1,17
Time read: 10,30
